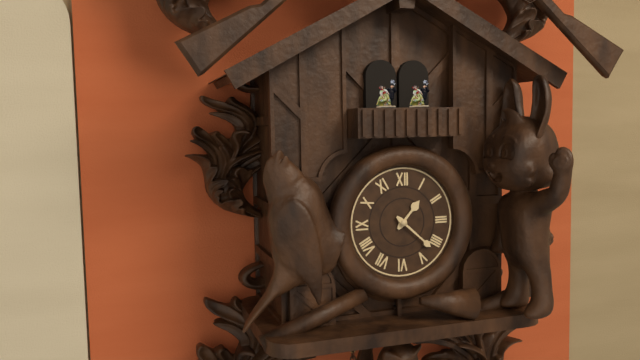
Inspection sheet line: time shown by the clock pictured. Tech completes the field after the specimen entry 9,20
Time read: 1,22
